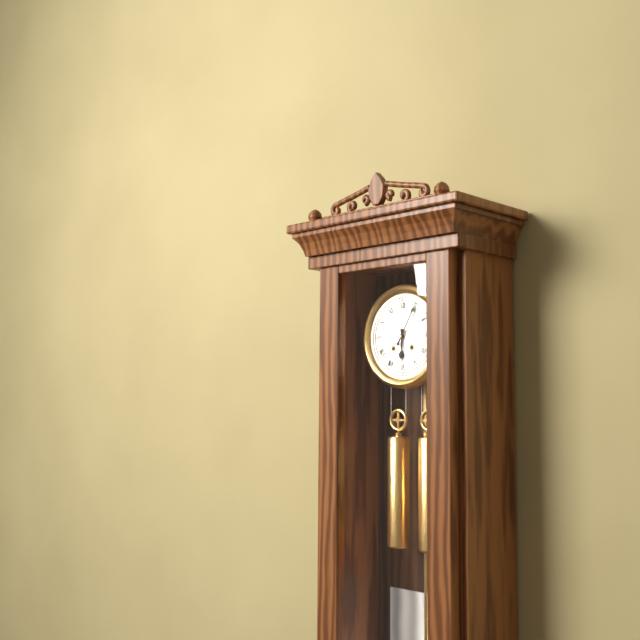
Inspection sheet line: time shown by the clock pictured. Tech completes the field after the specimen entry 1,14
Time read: 6,05
